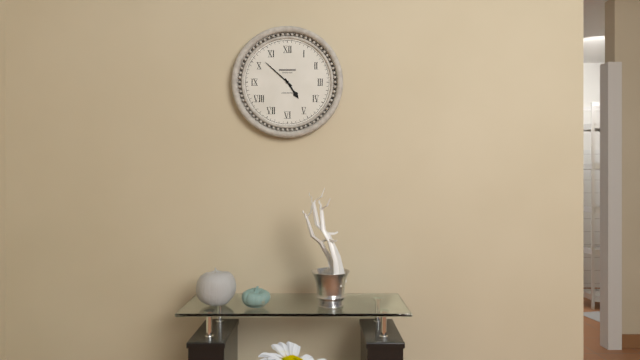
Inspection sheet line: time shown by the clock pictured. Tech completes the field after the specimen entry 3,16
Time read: 4,52
